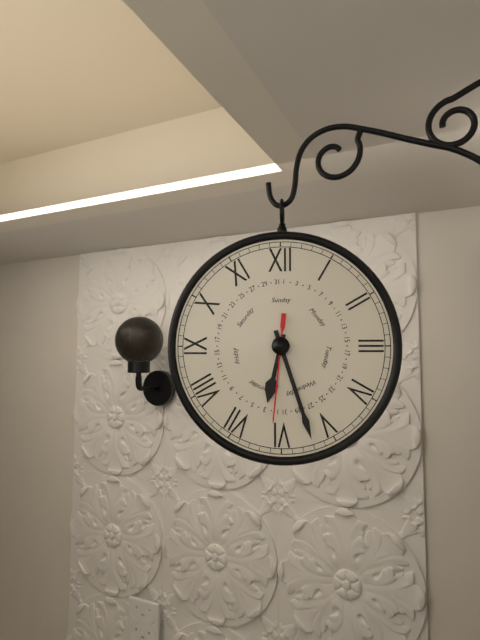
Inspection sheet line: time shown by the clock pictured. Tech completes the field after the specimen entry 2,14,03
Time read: 6,27,31
